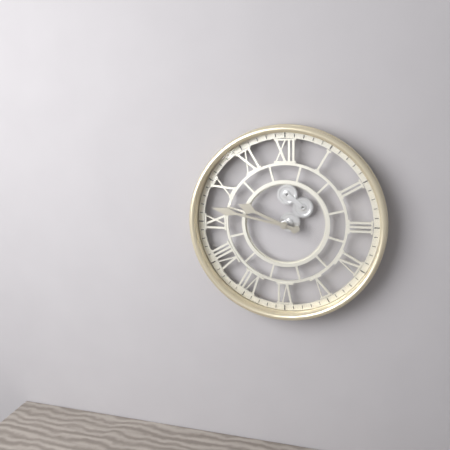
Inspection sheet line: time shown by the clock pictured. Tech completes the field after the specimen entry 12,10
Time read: 9,47
